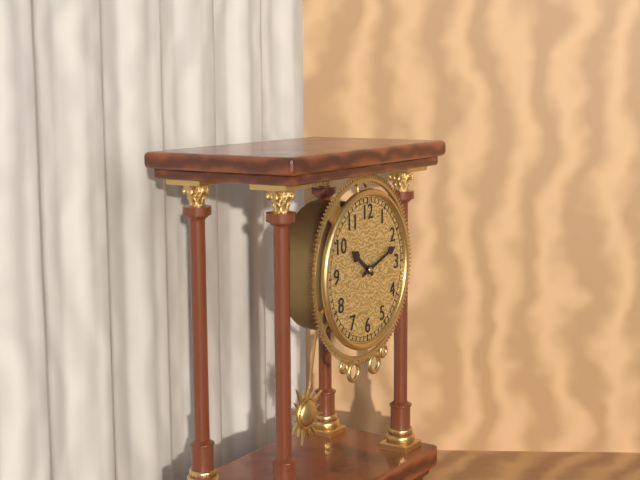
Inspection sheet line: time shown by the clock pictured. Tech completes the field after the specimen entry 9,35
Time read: 10,12
